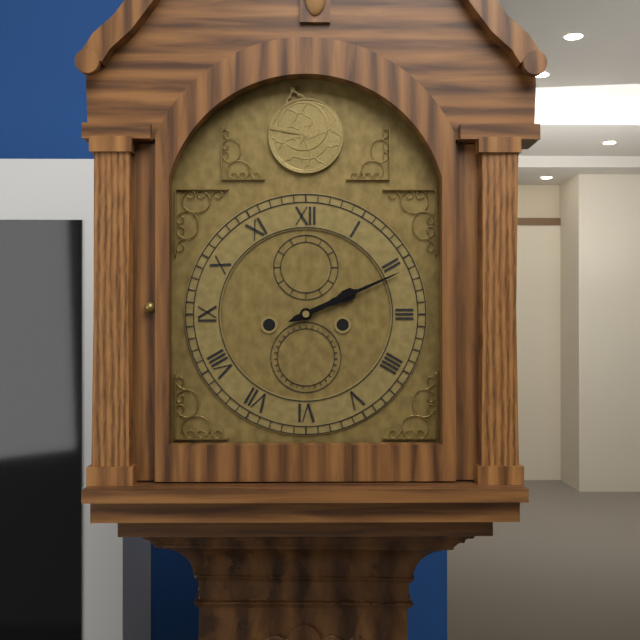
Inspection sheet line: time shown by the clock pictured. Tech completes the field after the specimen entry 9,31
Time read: 2,11
